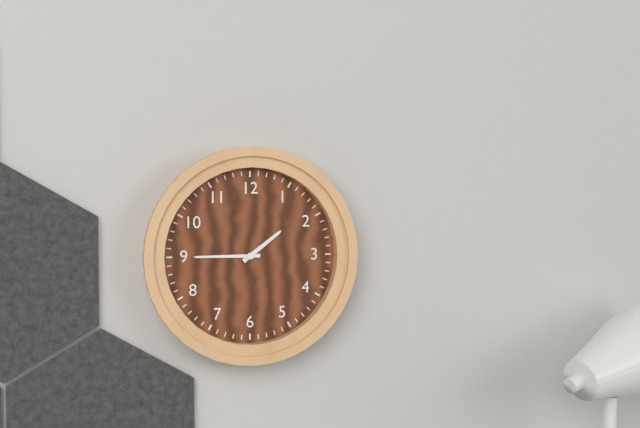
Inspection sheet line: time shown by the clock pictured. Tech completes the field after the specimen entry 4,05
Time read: 1,45
